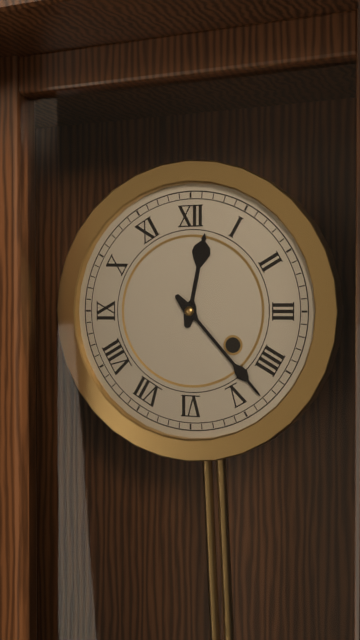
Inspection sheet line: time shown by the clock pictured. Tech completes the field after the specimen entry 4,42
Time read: 12,23
